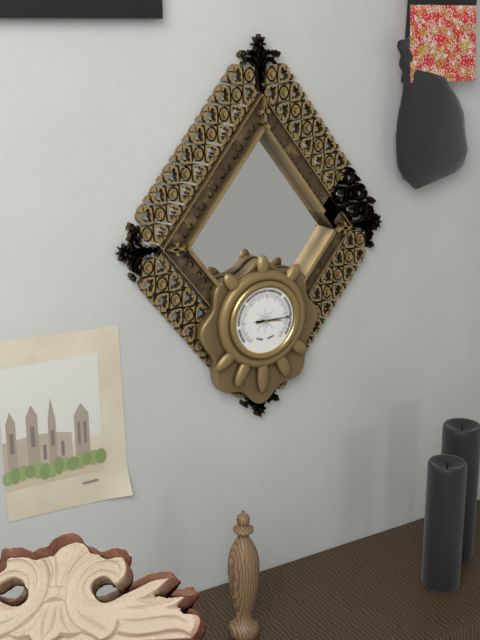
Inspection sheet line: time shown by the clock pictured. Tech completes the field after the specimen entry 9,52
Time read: 3,15
